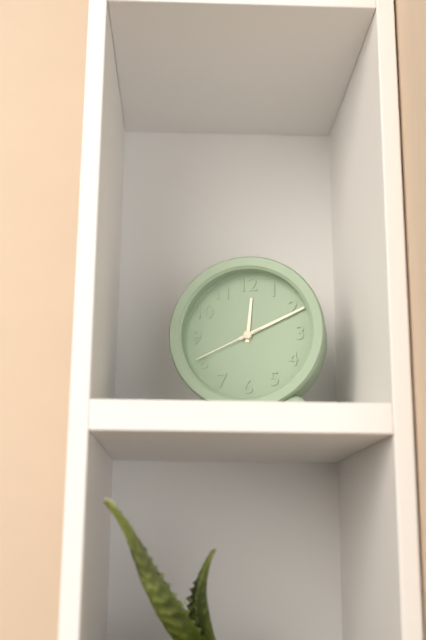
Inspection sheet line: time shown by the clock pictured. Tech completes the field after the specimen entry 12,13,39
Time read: 12,11,41
